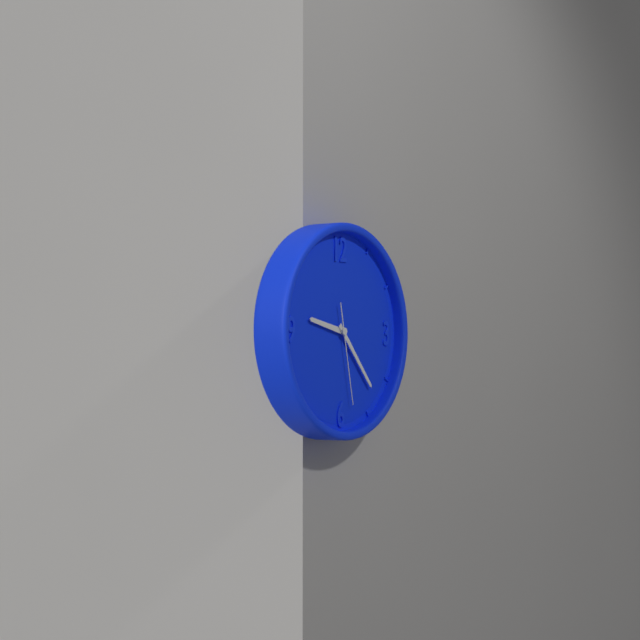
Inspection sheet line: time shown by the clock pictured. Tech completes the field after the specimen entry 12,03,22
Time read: 9,23,28
